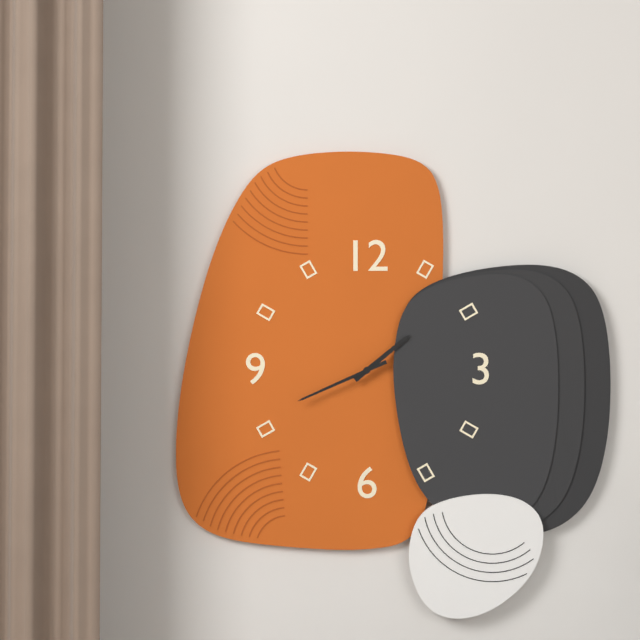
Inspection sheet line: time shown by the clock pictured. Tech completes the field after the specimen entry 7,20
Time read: 1,41
